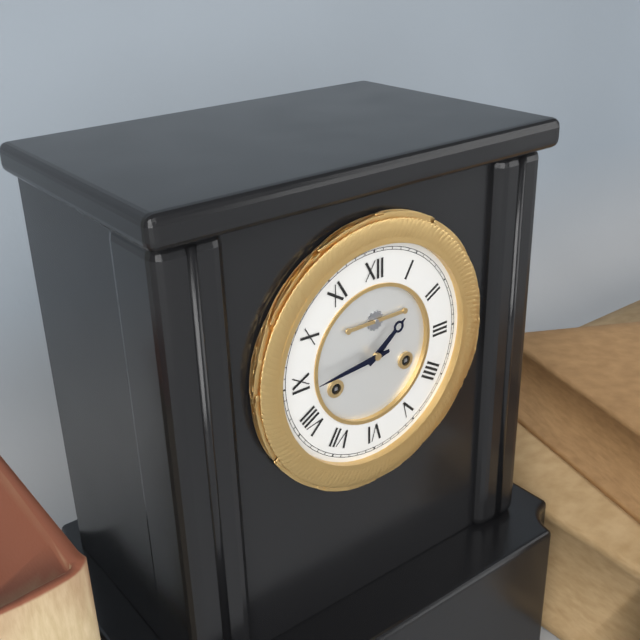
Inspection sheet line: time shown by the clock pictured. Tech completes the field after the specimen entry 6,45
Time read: 1,44
